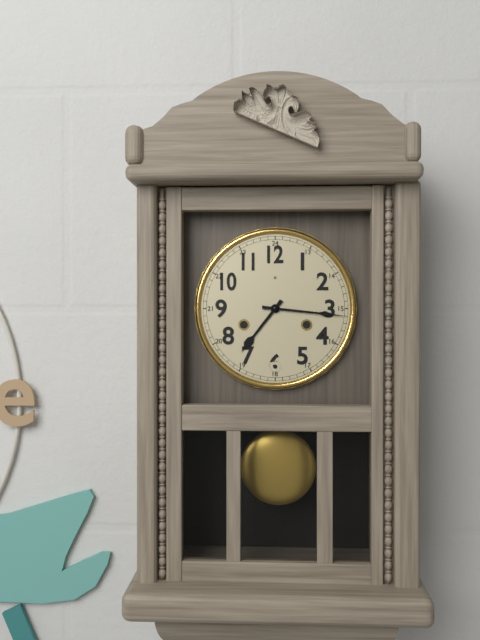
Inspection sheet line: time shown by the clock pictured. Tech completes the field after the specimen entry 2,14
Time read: 7,16
